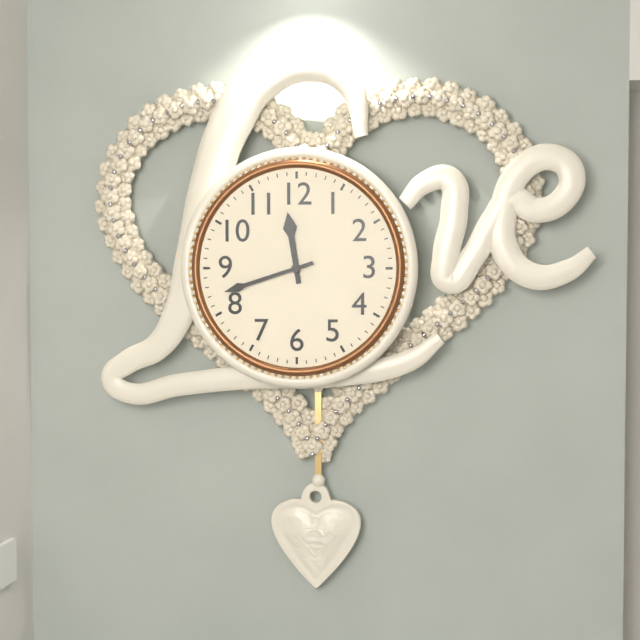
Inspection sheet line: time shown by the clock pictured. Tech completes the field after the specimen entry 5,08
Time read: 11,42
